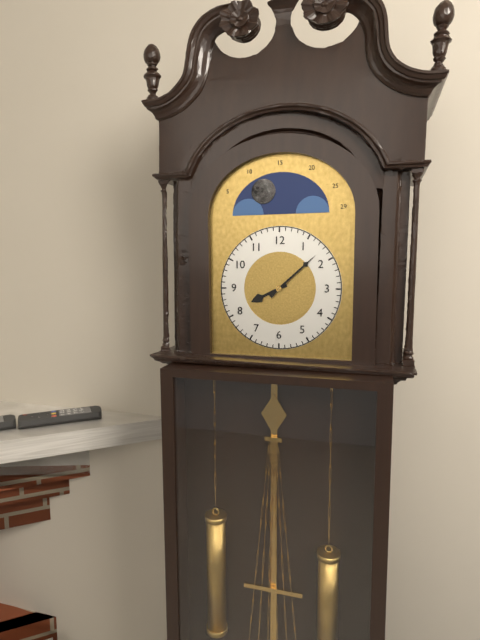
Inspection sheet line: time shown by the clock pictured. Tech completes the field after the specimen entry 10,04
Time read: 8,08
